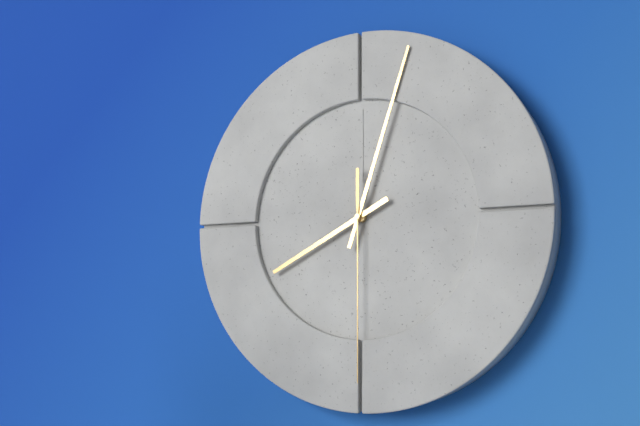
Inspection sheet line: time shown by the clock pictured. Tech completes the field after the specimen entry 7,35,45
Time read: 8,03,30
